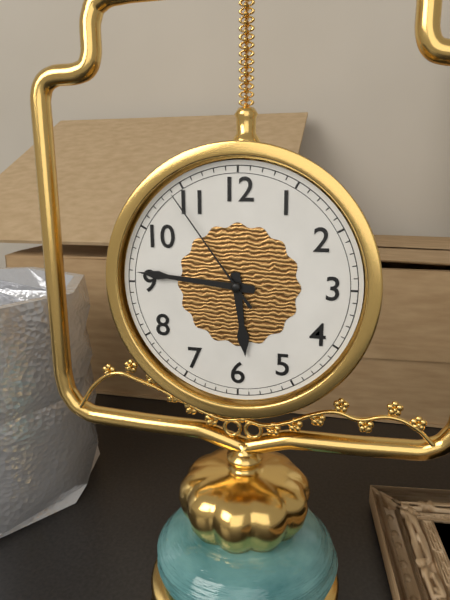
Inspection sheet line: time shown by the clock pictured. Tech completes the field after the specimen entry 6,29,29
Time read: 5,46,54
